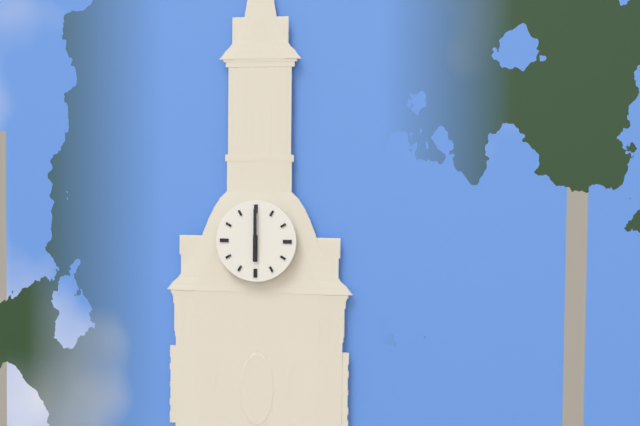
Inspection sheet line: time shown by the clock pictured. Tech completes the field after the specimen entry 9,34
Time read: 6,00
